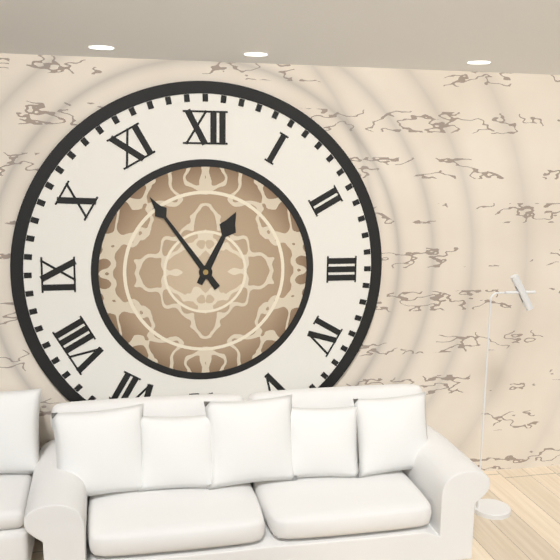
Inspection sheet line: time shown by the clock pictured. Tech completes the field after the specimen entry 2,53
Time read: 12,54
